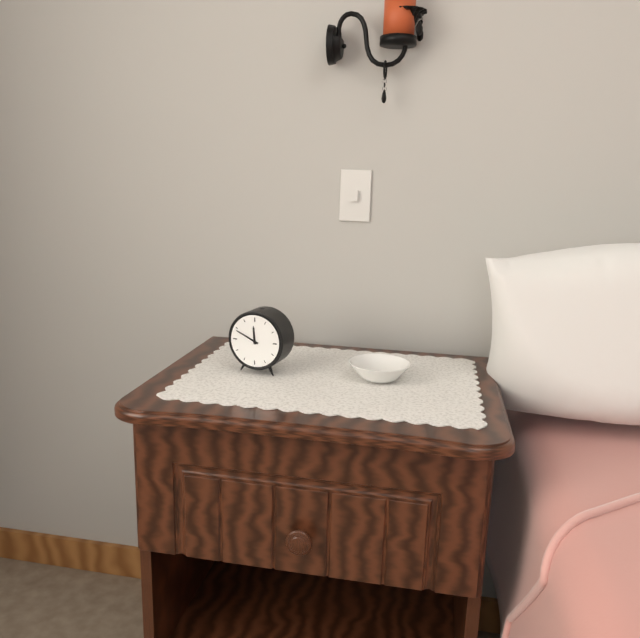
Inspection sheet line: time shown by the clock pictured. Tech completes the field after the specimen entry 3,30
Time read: 11,49
